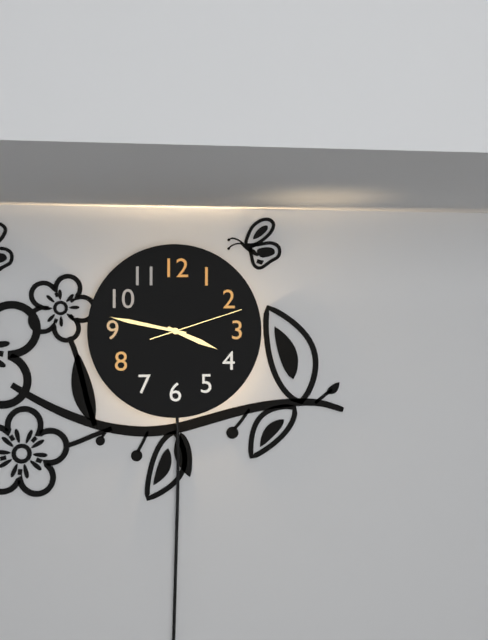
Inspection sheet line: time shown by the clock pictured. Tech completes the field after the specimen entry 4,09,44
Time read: 3,47,12
